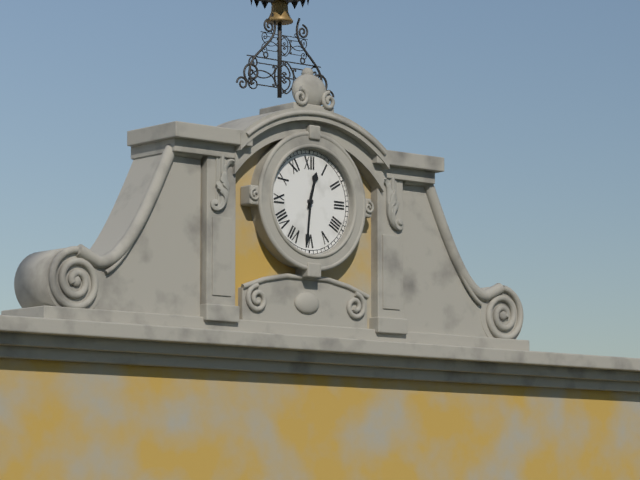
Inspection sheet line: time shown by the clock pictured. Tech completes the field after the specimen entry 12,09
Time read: 12,31
